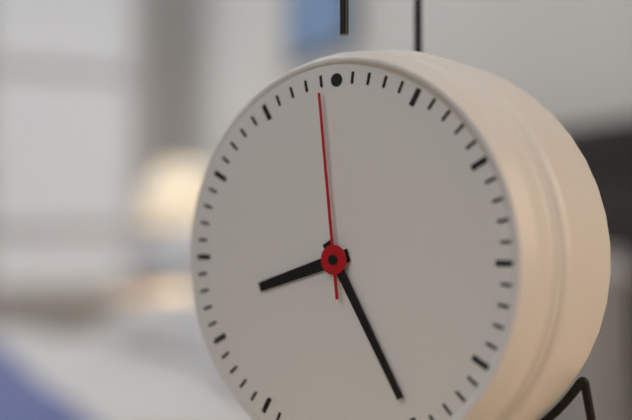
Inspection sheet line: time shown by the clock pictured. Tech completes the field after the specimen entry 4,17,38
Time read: 8,25,59
